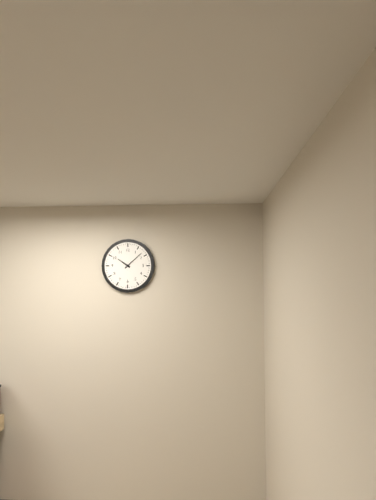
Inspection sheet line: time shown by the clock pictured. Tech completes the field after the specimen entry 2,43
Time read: 10,08
